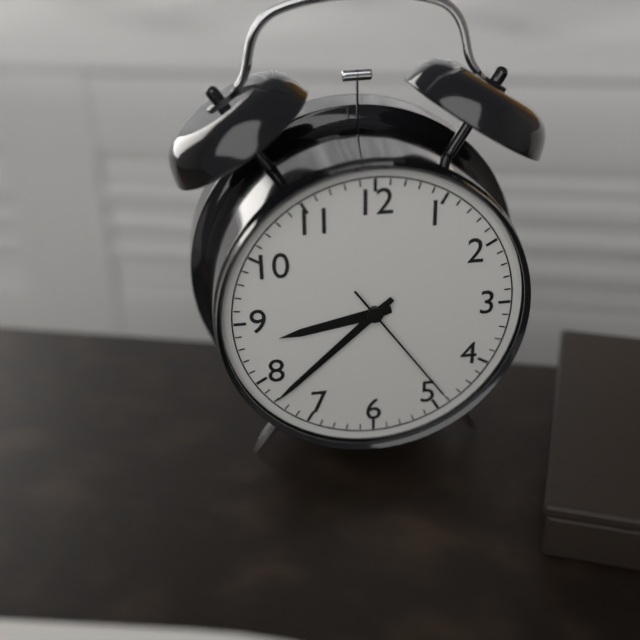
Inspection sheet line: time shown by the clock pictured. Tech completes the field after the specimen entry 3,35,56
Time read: 8,38,24
